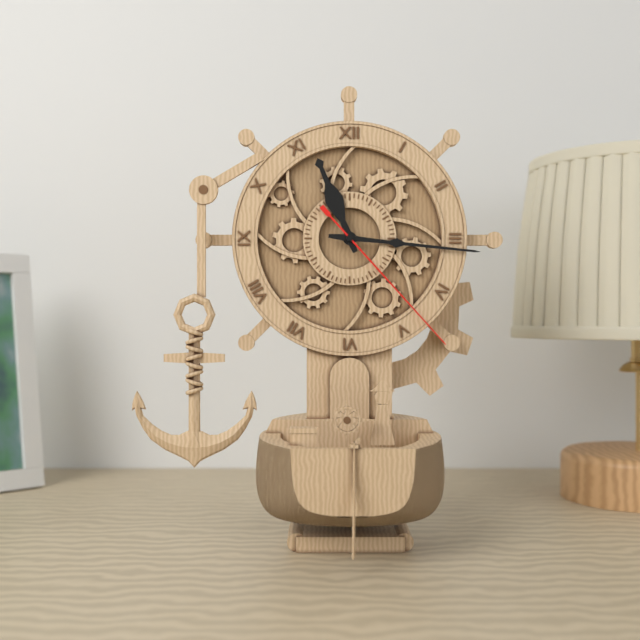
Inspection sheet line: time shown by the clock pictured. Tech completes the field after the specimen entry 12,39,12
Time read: 11,16,23
